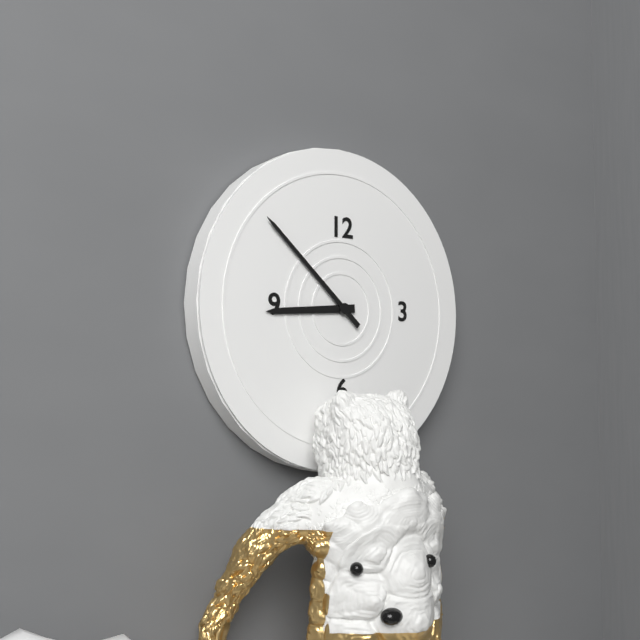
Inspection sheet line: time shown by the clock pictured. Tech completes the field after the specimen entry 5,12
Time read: 8,52
